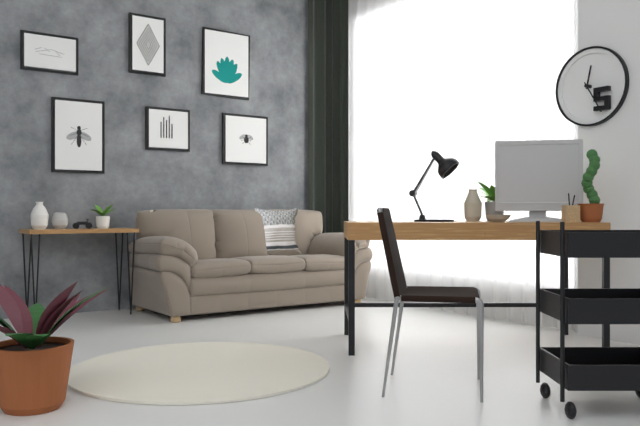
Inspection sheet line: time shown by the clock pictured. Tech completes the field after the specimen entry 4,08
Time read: 12,25
